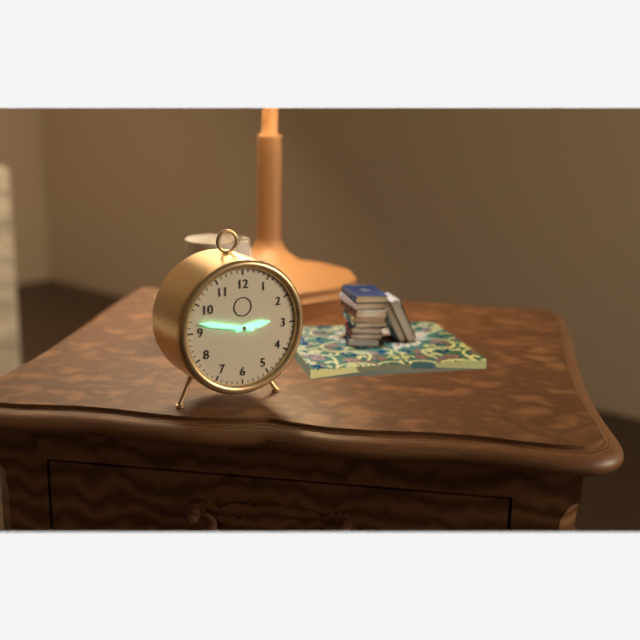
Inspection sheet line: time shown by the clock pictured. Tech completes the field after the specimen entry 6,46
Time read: 2,47
